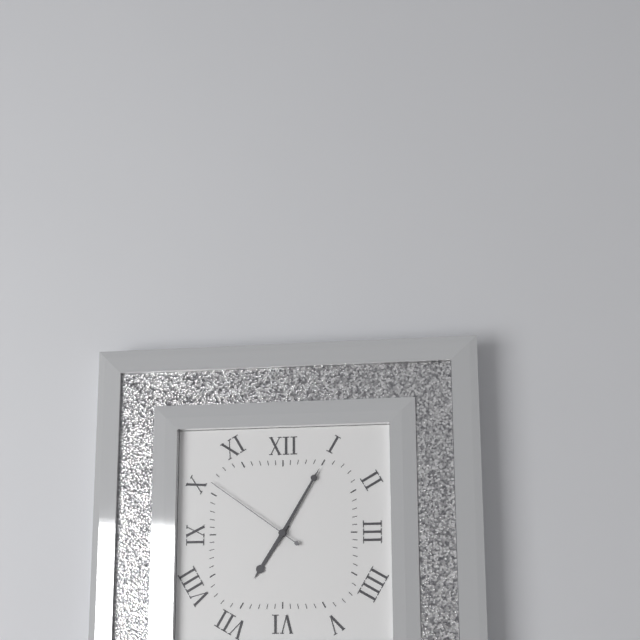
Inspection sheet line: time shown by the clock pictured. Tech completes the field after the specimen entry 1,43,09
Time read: 7,05,51
